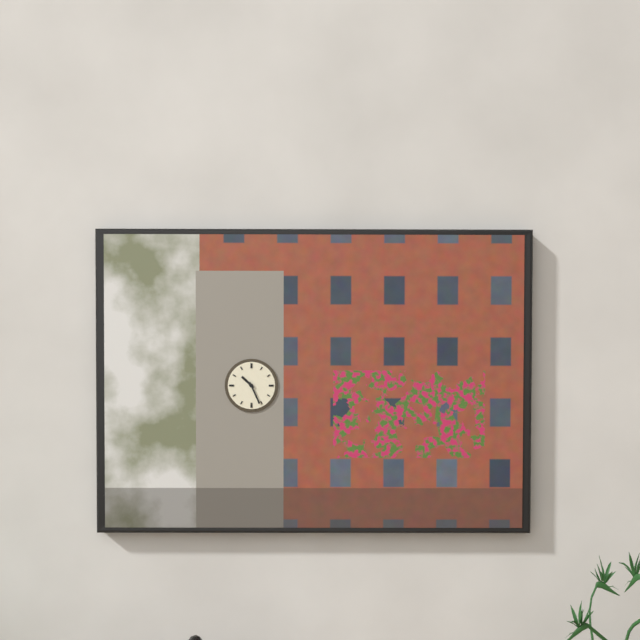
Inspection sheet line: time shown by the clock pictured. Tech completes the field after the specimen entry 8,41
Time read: 10,26
